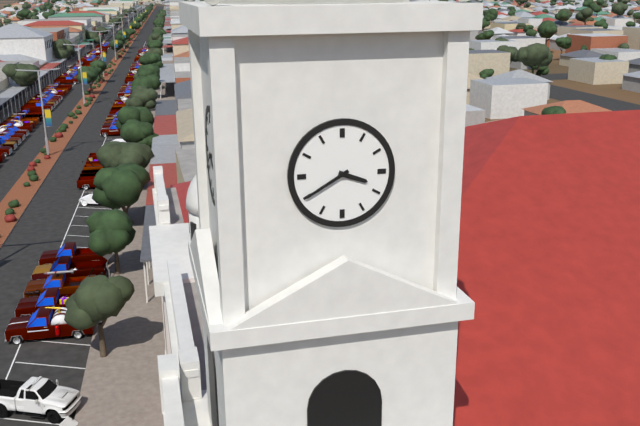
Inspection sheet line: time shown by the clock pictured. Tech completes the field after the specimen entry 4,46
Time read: 3,40
